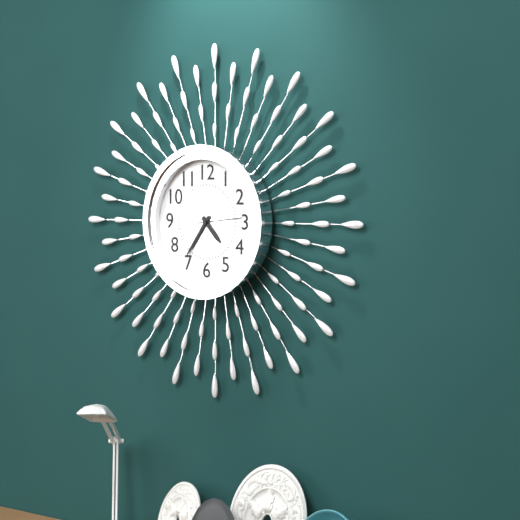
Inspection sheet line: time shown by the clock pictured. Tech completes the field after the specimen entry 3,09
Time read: 4,36
